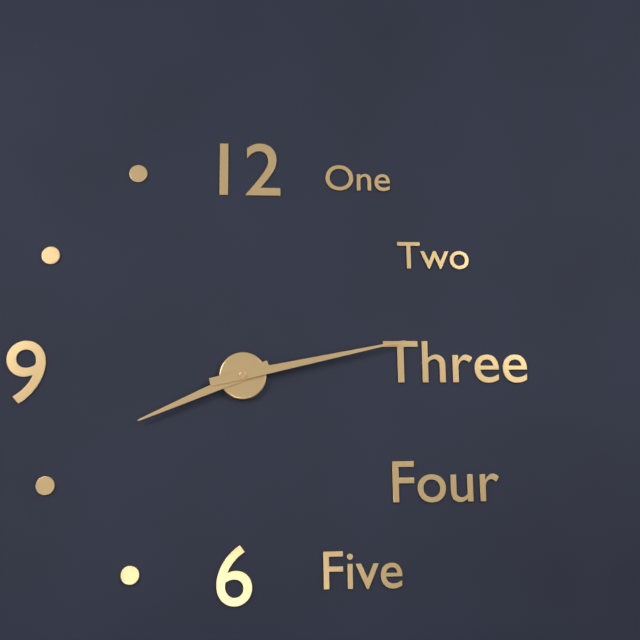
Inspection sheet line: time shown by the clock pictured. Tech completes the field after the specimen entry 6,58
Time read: 8,13
